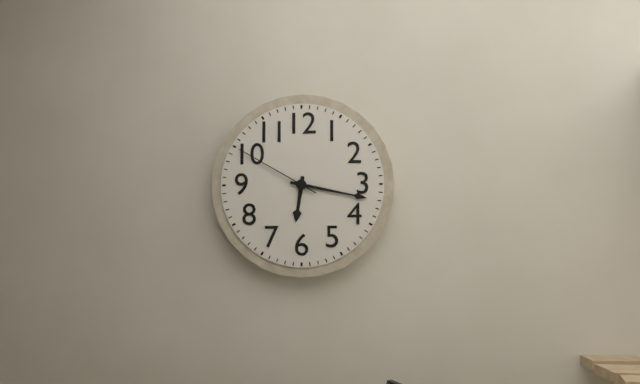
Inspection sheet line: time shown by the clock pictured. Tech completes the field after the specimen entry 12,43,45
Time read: 6,17,50
